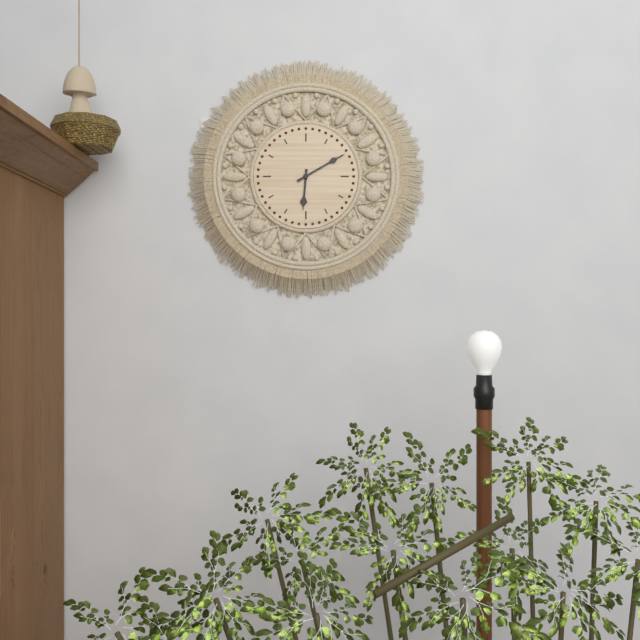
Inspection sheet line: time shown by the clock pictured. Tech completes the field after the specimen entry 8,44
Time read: 6,10
